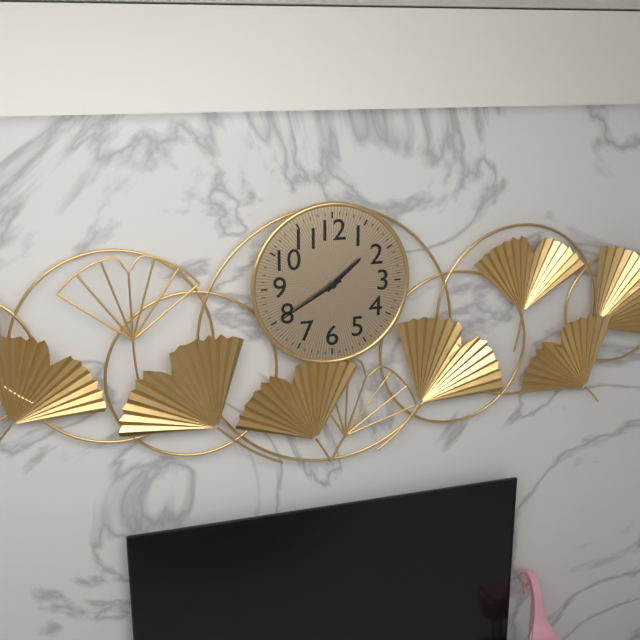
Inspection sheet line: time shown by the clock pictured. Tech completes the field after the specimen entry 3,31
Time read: 1,40
